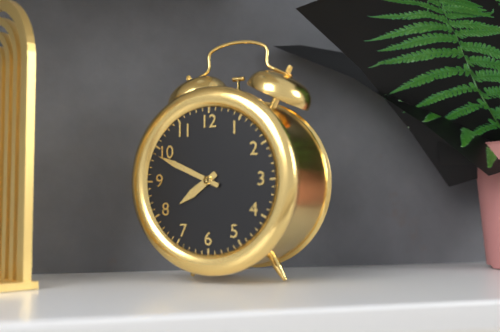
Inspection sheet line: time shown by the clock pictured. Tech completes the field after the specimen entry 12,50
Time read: 7,49
